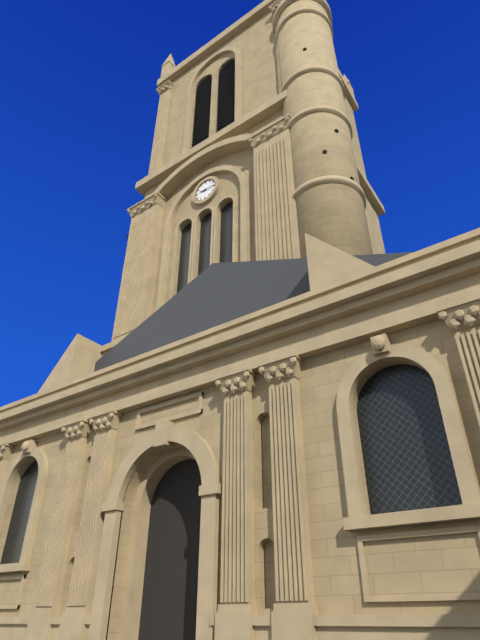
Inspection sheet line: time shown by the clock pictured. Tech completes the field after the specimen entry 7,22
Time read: 9,15
